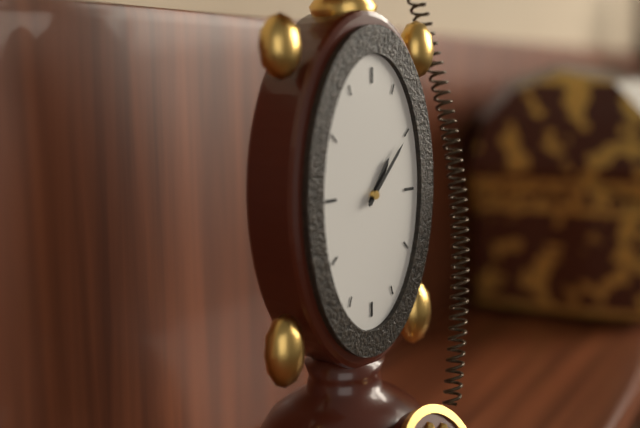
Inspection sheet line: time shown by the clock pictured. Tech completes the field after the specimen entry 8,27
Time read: 1,07
